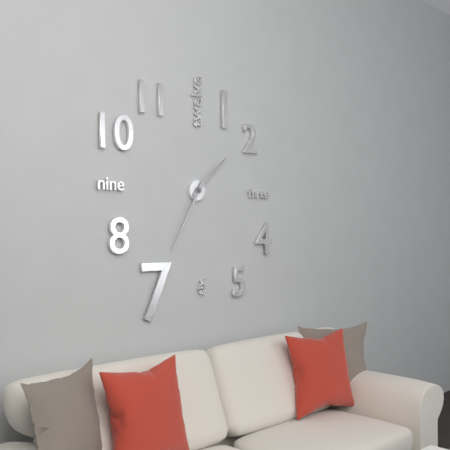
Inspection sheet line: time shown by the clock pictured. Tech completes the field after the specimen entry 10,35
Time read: 1,35
